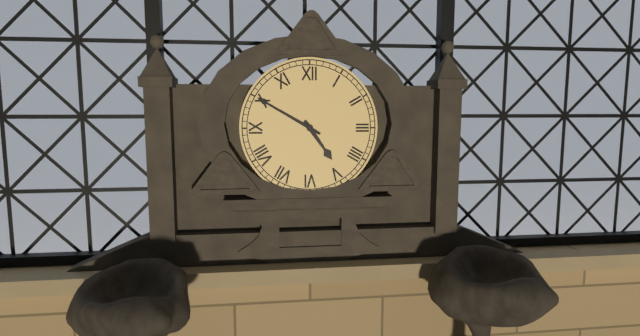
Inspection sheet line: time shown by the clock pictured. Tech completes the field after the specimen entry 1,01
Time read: 4,50
